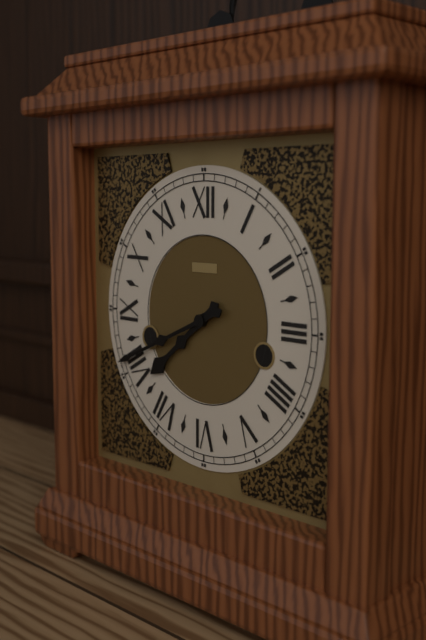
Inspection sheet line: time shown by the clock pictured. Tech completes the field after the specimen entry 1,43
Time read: 7,41
